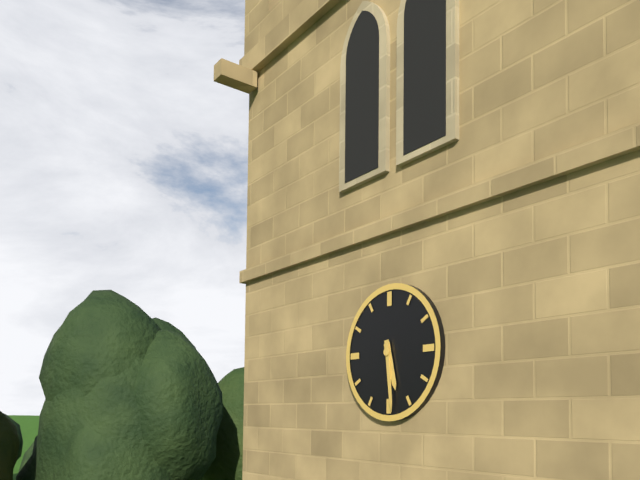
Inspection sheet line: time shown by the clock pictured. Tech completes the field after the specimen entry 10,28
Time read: 5,29
